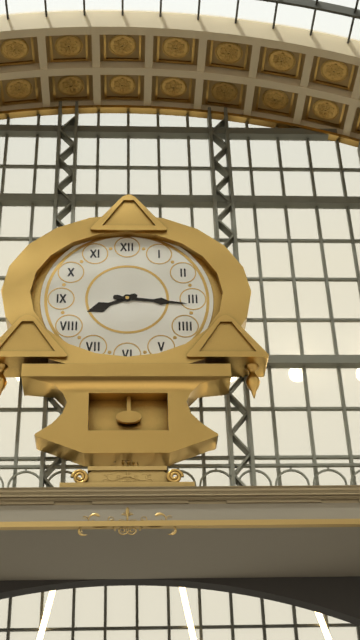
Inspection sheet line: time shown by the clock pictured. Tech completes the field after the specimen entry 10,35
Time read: 8,16
